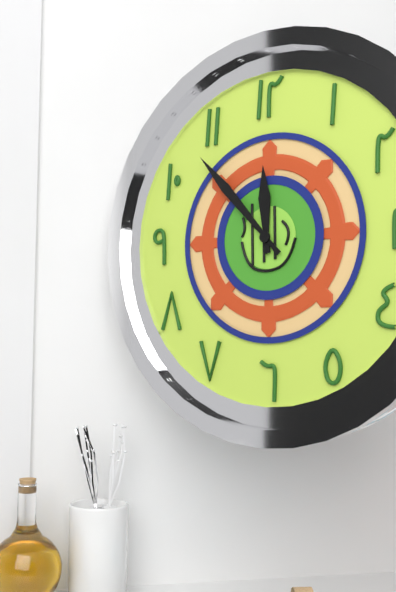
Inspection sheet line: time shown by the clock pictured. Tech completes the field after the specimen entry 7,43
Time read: 11,53
